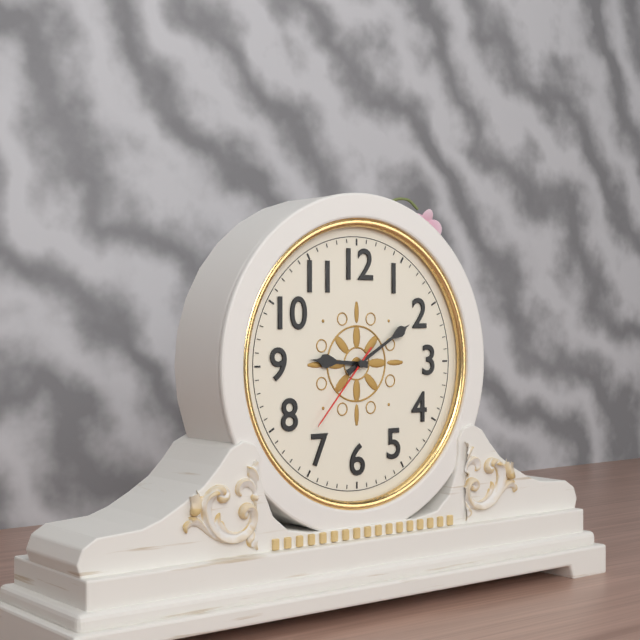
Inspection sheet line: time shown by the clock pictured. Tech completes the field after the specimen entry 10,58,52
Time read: 9,10,37
